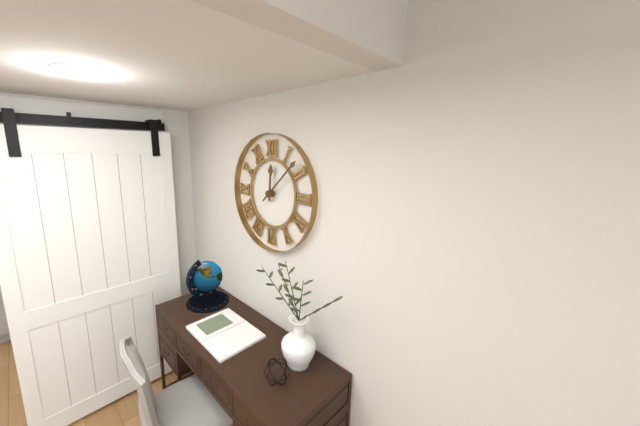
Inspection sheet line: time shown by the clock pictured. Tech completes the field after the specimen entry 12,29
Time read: 12,08
